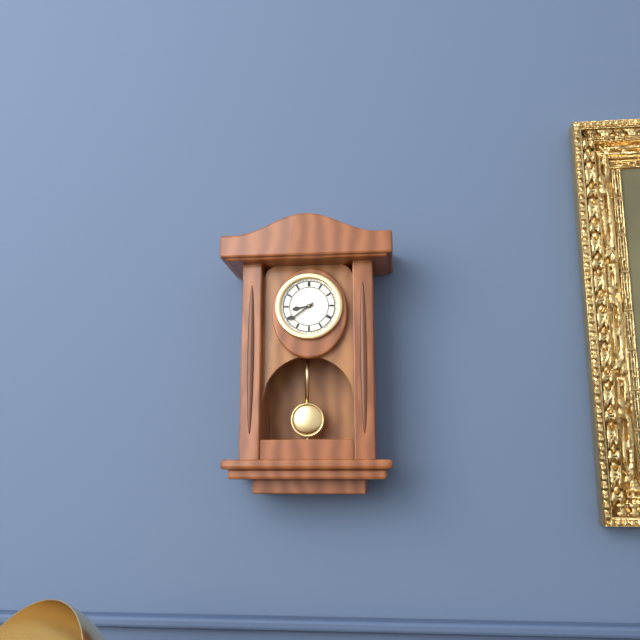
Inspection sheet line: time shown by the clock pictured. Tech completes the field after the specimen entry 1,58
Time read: 8,39
